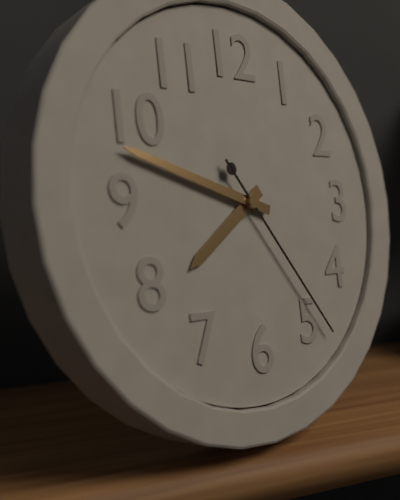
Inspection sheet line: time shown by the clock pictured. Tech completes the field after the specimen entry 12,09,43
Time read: 7,48,24
